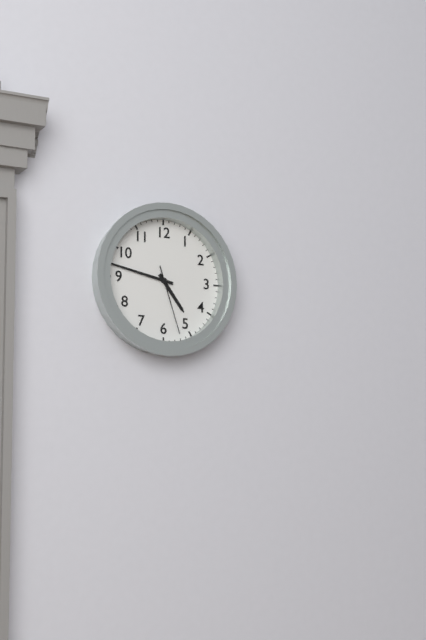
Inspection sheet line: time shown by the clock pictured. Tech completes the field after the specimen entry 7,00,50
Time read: 4,47,27
